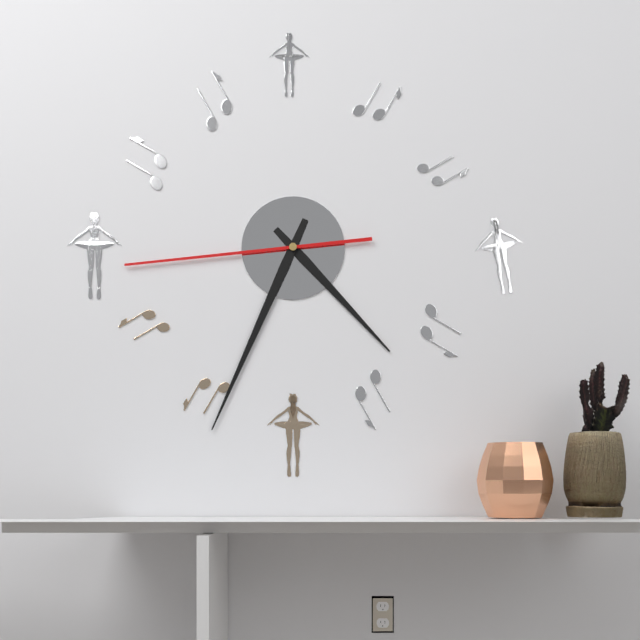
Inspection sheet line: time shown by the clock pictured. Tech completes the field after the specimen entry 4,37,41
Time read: 4,34,44
